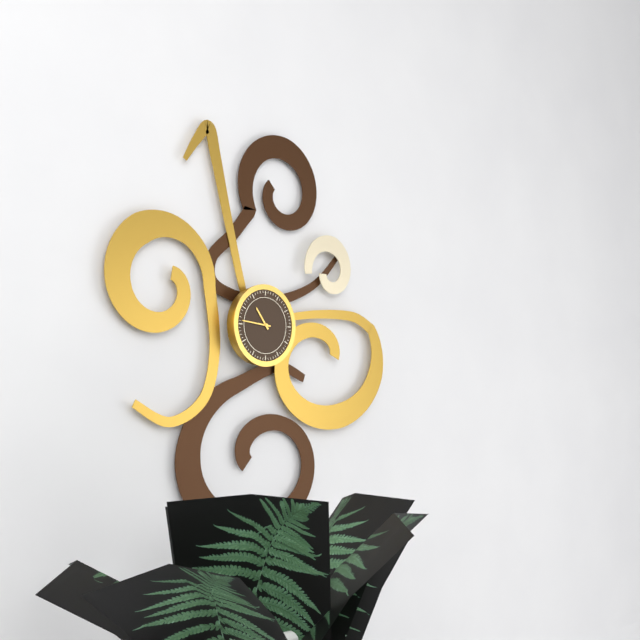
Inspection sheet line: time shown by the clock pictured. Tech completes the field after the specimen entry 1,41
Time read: 10,46
